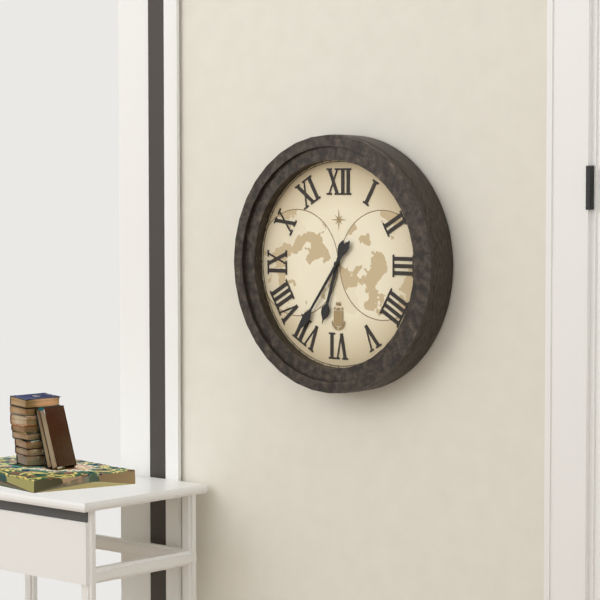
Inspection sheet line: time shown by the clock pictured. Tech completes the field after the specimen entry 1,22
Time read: 6,36
